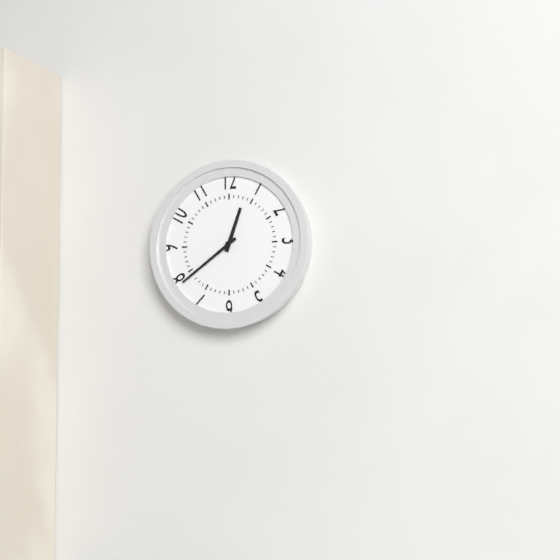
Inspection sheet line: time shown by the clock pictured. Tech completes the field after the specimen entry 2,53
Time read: 12,39
